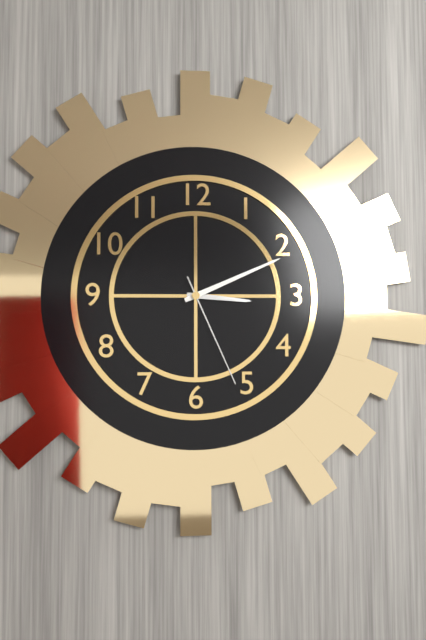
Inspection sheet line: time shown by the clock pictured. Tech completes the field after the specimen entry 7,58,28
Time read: 3,11,26
